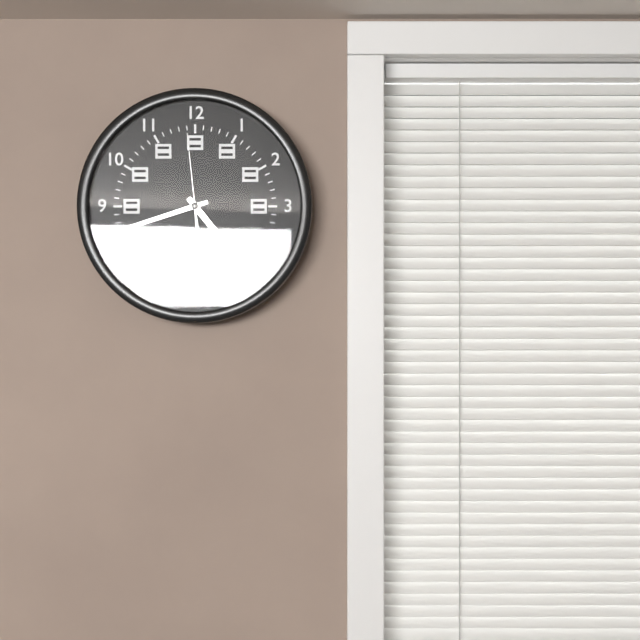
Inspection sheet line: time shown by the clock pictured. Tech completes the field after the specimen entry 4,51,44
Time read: 4,42,59
